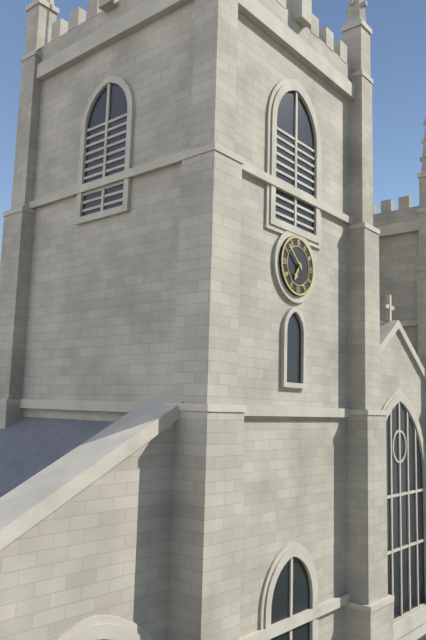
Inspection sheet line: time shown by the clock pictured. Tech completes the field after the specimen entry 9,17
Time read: 6,52
